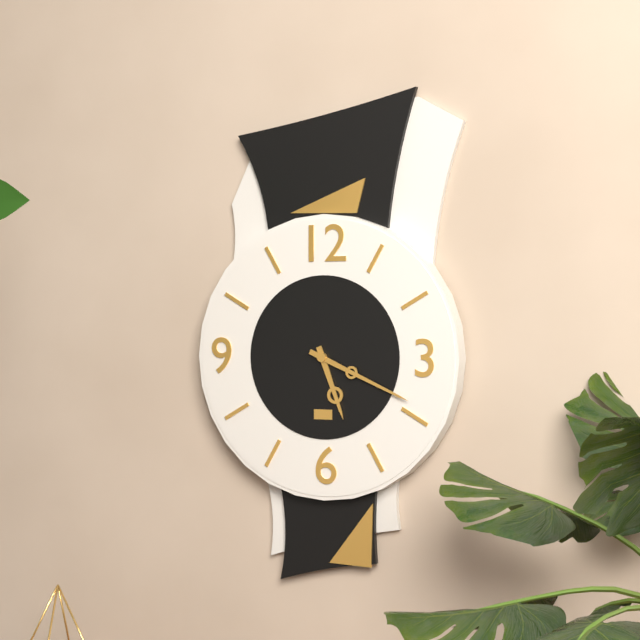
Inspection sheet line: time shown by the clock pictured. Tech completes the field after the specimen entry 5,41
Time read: 5,19
